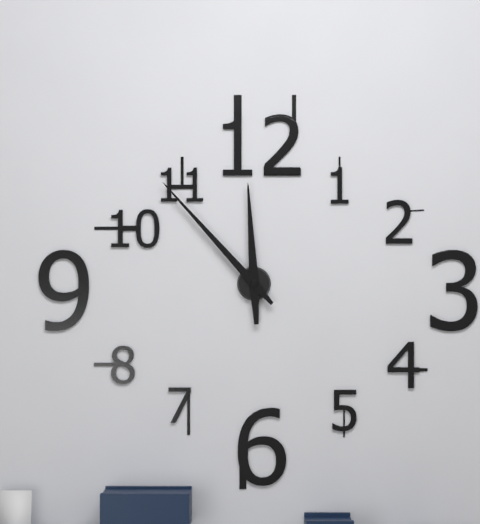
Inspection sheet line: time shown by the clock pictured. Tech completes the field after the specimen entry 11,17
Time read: 11,53
